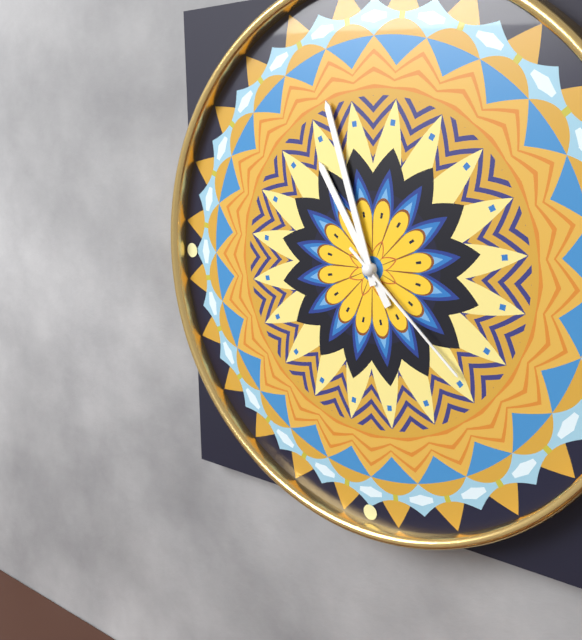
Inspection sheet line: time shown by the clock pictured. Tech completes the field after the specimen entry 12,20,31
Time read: 10,57,22
